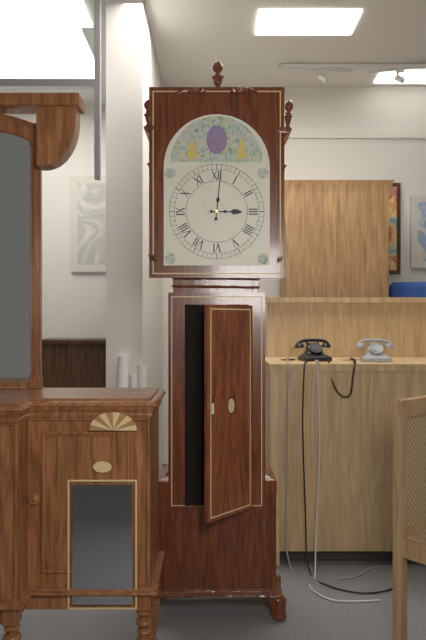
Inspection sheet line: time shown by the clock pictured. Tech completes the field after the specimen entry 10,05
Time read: 3,01
